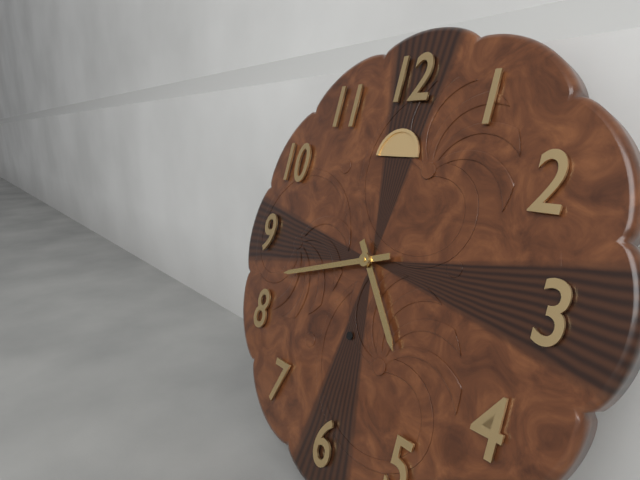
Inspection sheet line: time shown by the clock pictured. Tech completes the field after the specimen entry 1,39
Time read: 4,42
